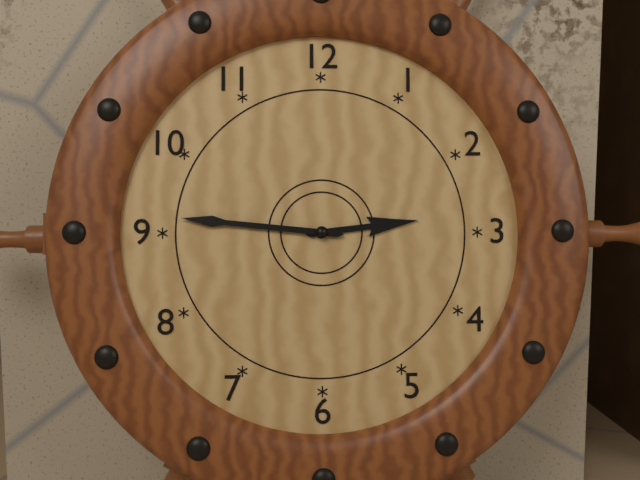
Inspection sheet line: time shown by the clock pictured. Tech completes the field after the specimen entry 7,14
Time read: 2,46
